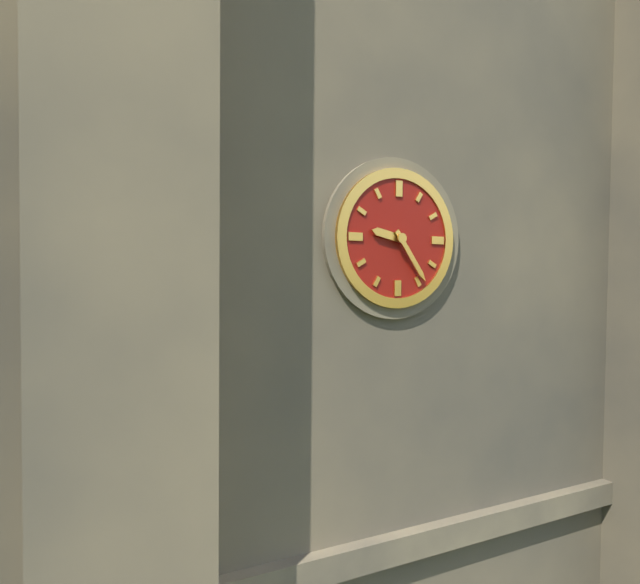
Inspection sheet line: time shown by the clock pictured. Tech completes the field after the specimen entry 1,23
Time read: 9,24
